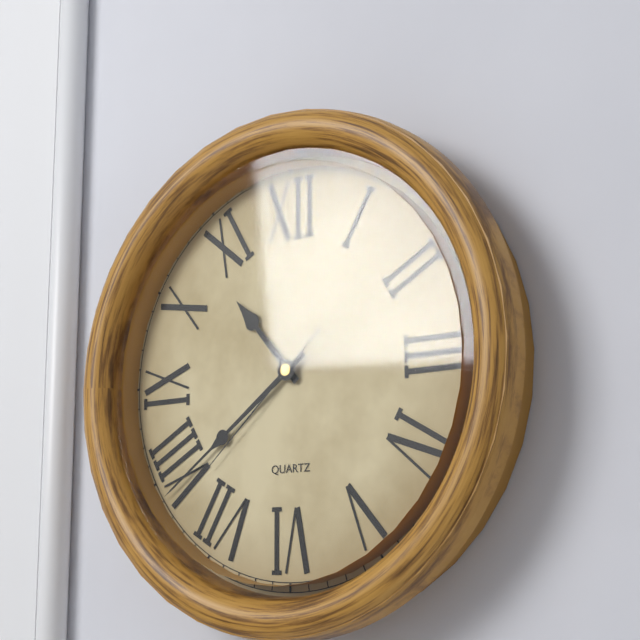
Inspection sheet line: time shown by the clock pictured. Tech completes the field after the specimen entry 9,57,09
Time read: 10,39,38
